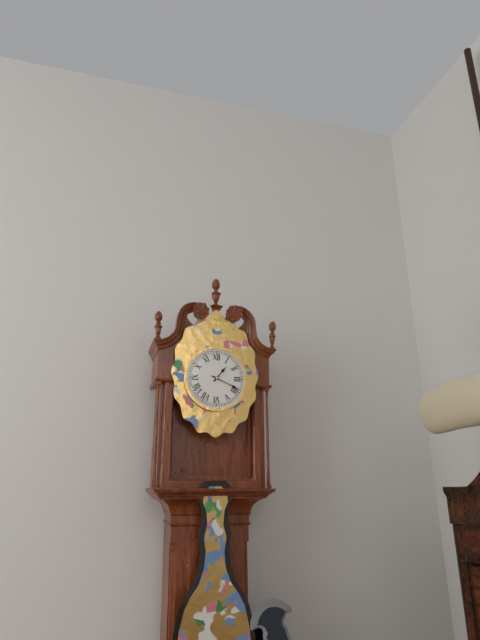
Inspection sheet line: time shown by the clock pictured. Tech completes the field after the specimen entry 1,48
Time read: 1,19
